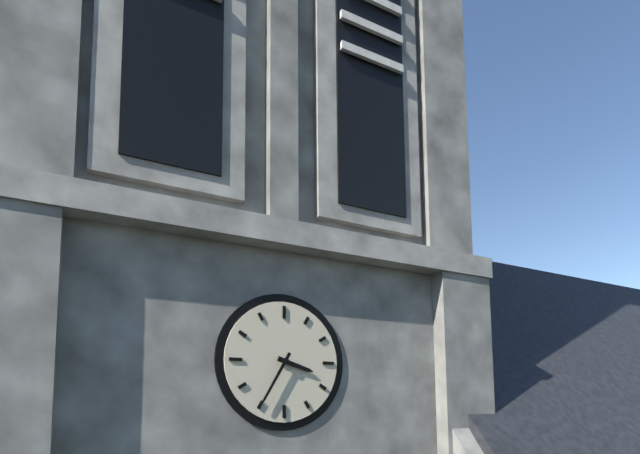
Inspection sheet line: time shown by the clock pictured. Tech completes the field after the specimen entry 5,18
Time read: 3,35
